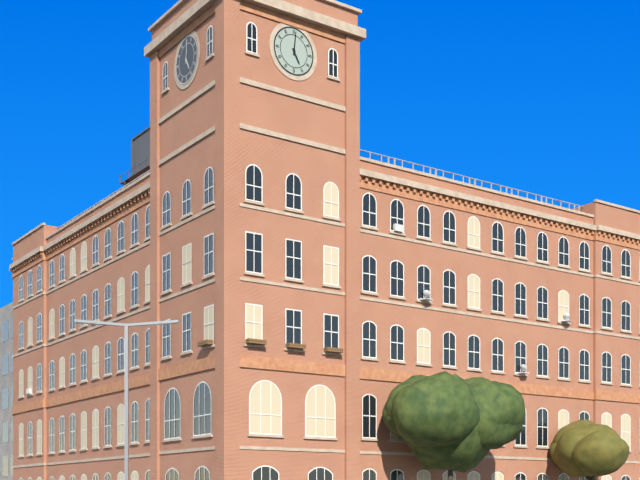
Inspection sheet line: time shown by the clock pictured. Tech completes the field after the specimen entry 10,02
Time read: 5,01
